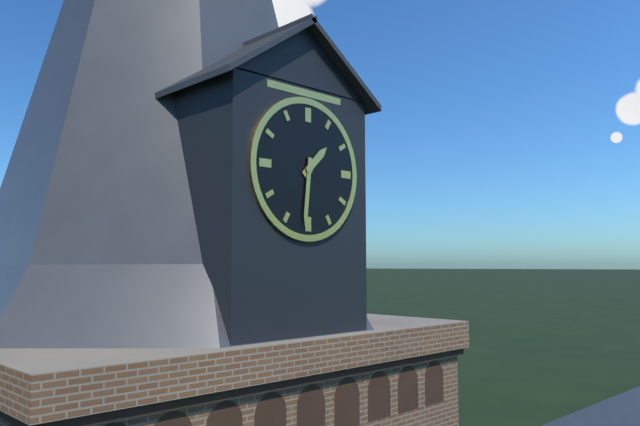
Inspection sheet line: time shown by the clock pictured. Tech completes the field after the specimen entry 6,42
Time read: 1,31
